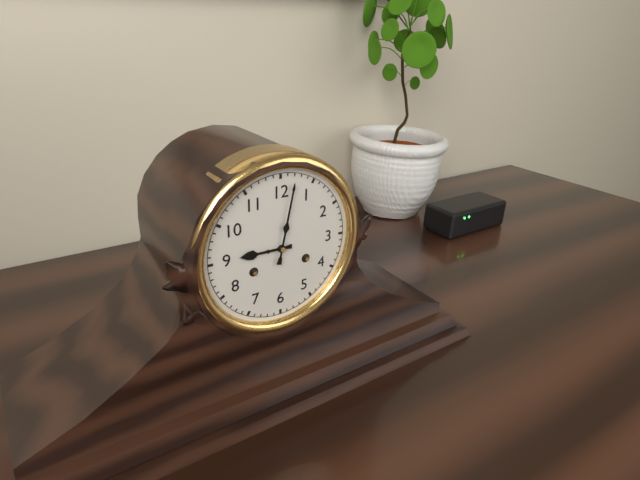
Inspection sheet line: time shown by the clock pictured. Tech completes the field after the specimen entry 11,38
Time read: 9,02
